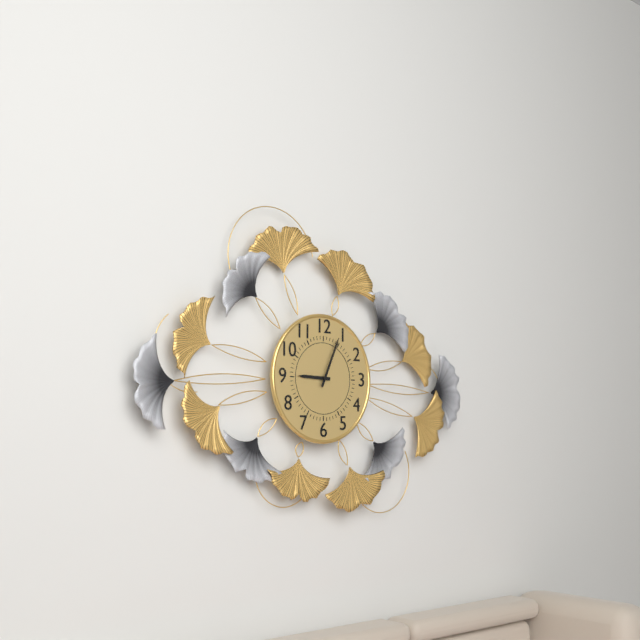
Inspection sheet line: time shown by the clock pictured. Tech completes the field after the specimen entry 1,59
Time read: 9,04
